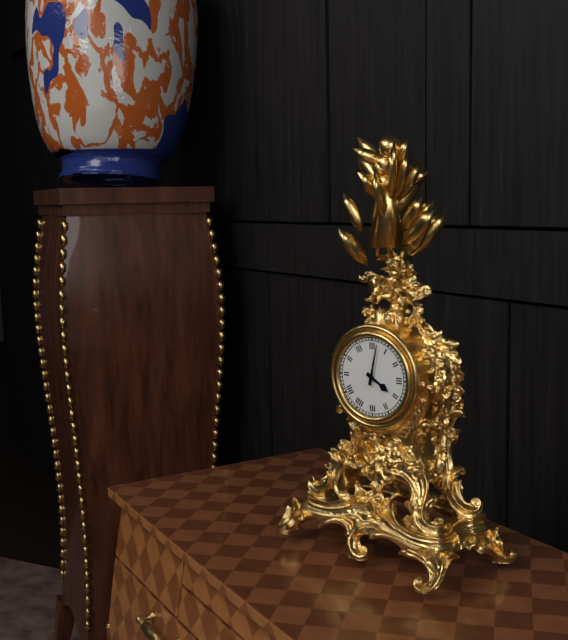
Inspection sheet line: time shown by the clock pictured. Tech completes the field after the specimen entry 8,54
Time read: 4,02
